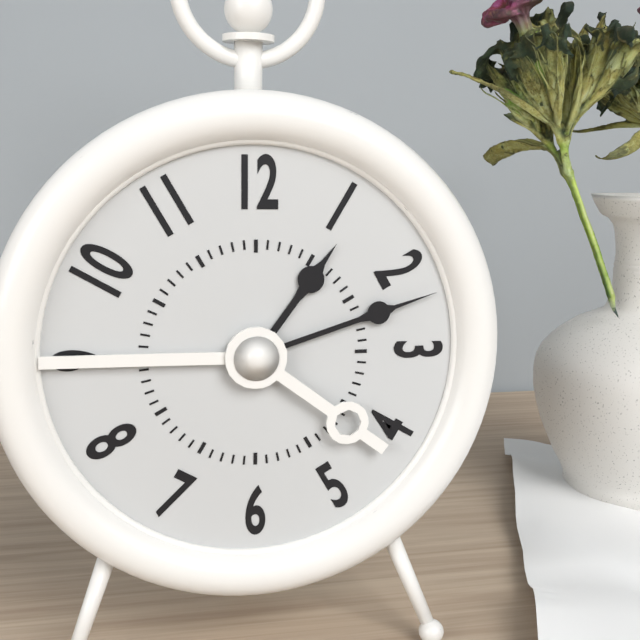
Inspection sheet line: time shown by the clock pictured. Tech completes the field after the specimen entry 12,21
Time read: 1,12
